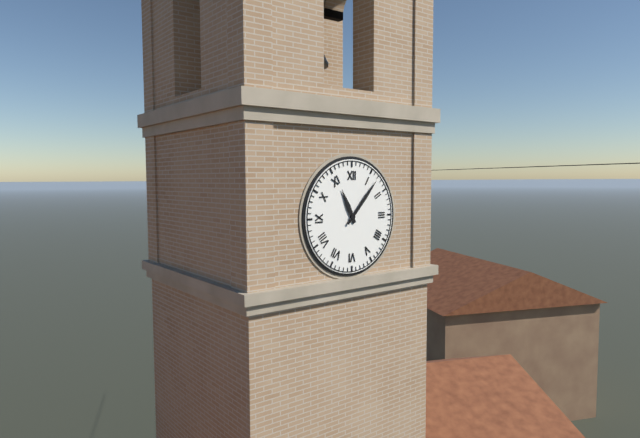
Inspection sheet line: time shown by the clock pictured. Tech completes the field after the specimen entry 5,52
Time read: 11,07
